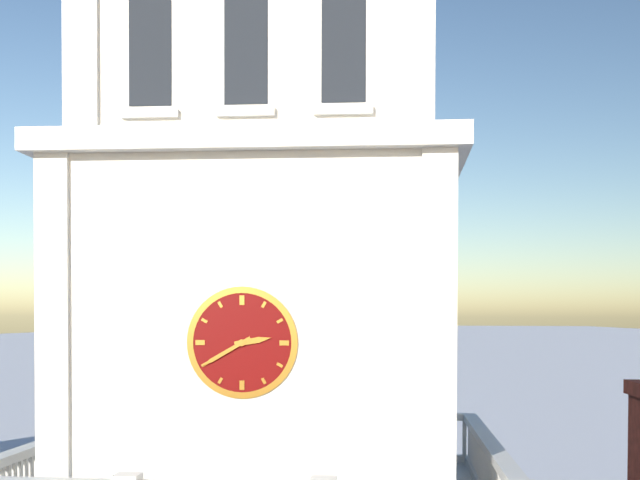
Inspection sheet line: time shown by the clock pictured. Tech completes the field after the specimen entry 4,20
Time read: 2,40
